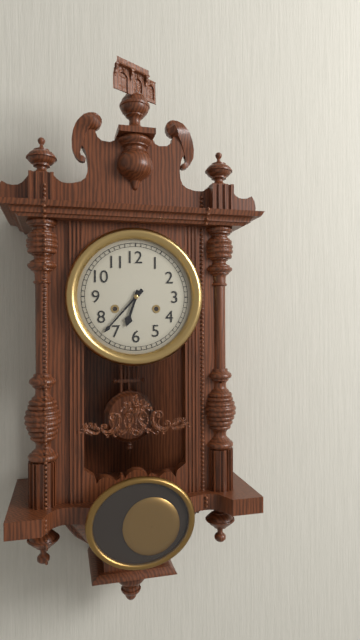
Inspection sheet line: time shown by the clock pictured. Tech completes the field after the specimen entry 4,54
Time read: 6,37
